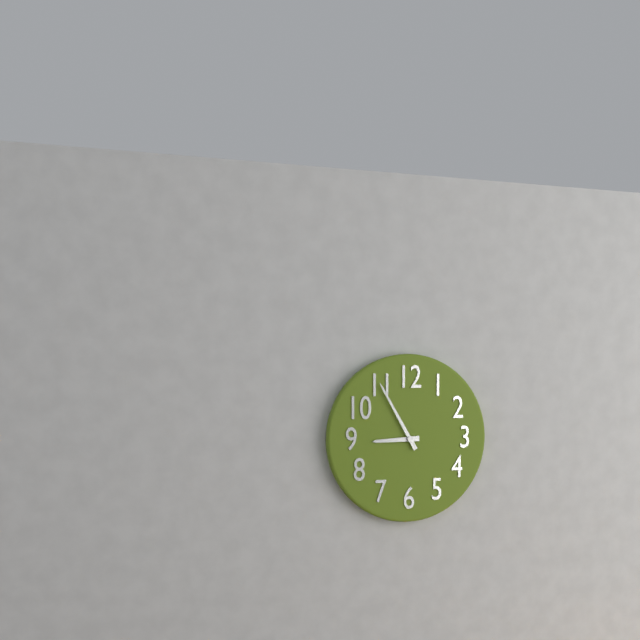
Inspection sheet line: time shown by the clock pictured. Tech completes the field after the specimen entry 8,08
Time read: 8,55
